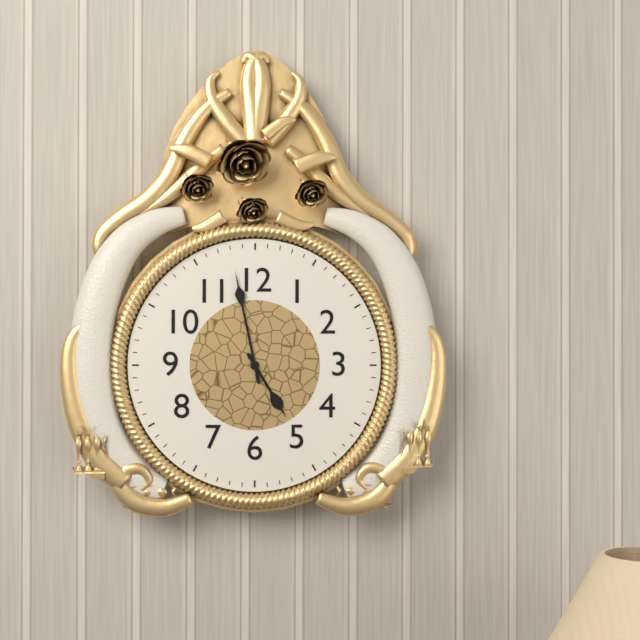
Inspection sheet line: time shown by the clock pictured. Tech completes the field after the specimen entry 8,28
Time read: 4,58
